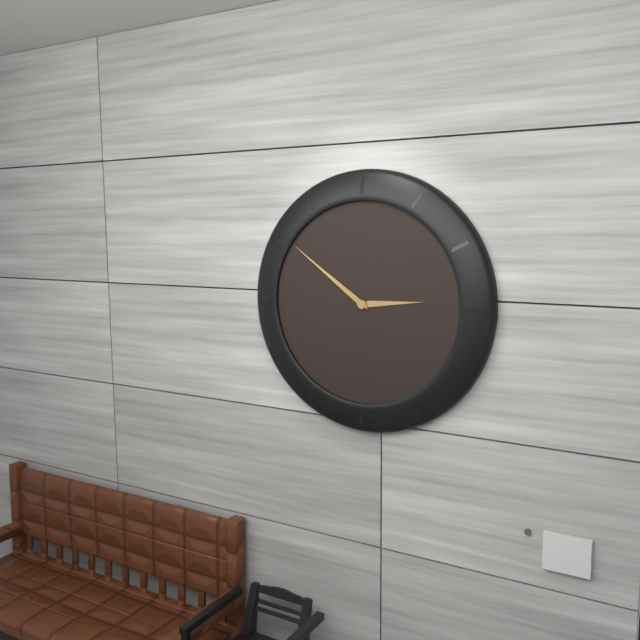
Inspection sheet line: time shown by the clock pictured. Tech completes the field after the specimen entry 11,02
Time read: 2,51
